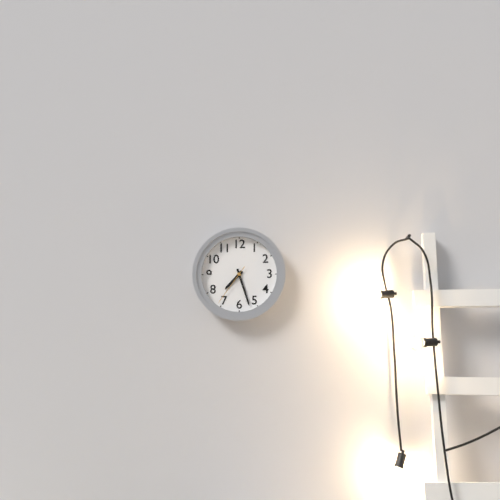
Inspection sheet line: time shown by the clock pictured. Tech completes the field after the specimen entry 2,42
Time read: 7,27
